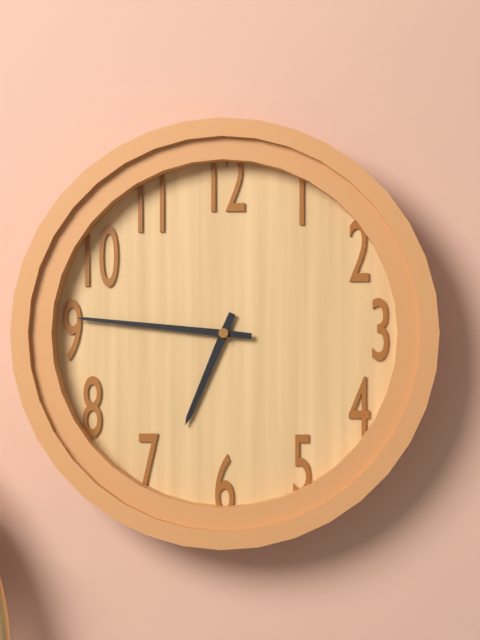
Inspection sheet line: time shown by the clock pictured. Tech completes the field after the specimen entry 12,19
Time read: 6,46
